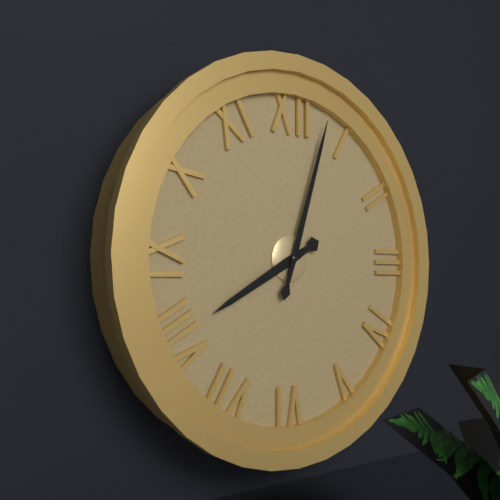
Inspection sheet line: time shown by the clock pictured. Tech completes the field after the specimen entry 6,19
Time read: 8,03
